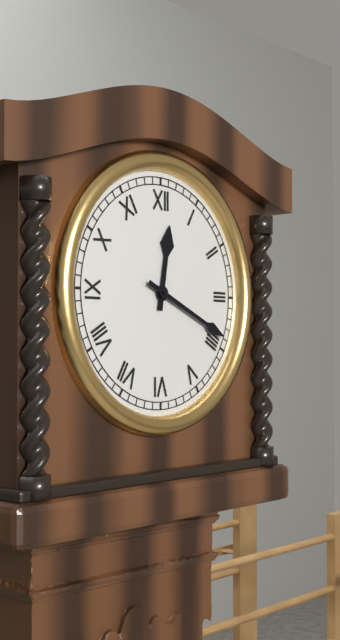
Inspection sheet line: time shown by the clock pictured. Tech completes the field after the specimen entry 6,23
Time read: 12,19
